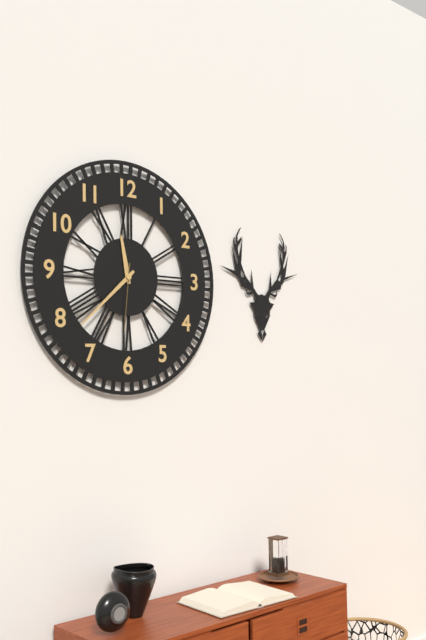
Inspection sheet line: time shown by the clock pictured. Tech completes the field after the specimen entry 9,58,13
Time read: 11,38,31
